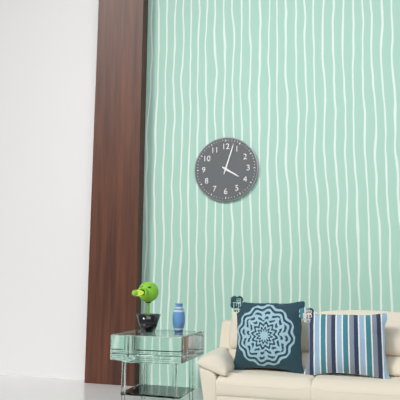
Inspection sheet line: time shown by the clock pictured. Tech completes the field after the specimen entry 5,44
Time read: 4,03
